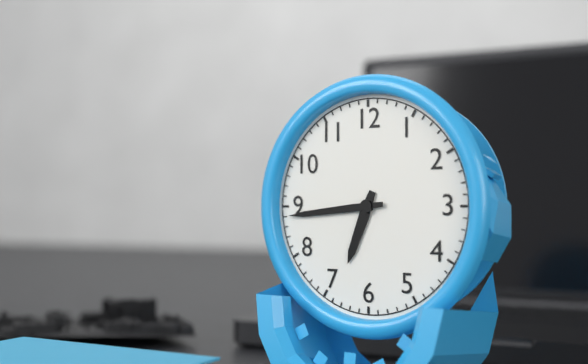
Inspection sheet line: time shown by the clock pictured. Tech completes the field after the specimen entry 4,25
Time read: 6,44
